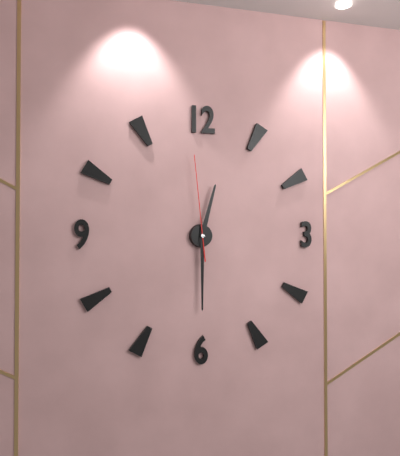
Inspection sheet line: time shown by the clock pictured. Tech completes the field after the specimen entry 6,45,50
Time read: 12,30,59
